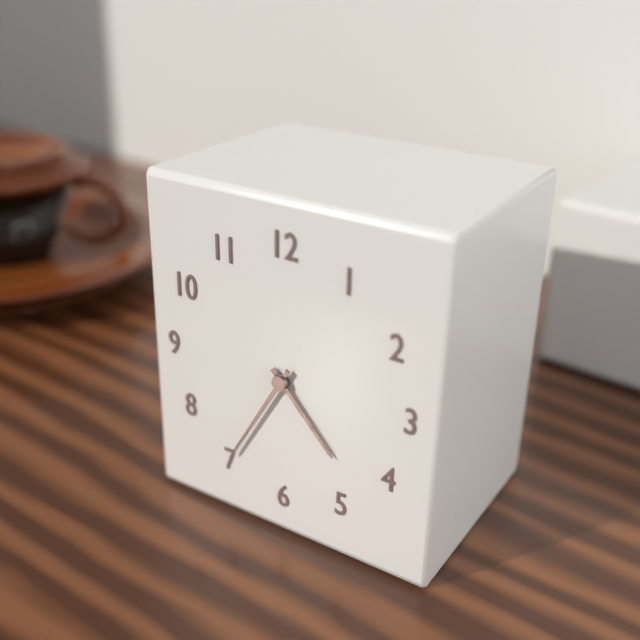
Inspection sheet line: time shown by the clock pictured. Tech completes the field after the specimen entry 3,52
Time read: 4,35
